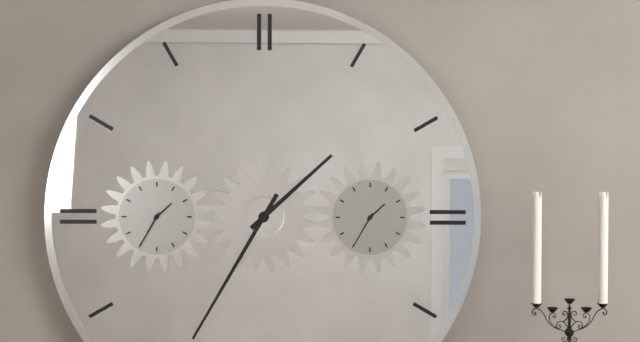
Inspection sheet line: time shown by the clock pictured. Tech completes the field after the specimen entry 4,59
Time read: 1,35
